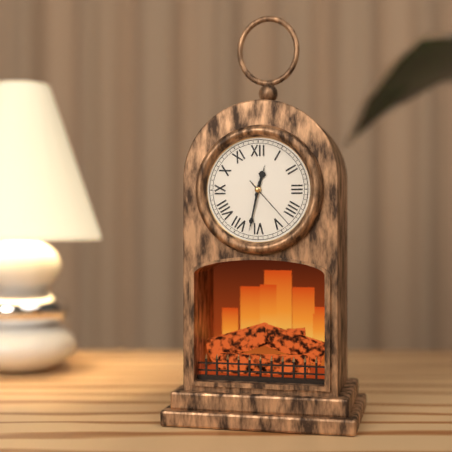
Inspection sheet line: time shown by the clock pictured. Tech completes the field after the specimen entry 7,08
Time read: 12,32
